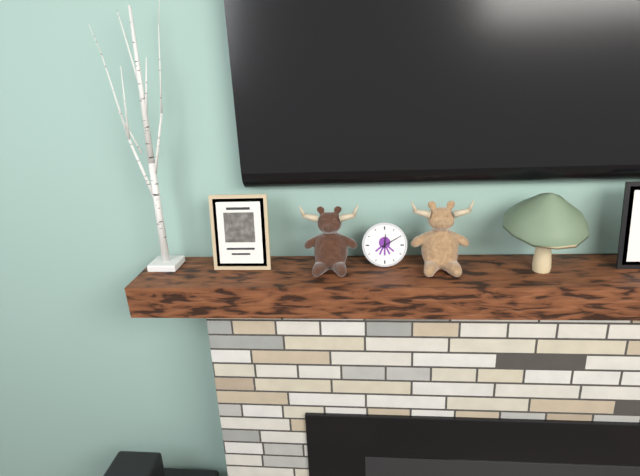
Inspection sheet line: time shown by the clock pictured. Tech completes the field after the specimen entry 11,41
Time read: 12,10
